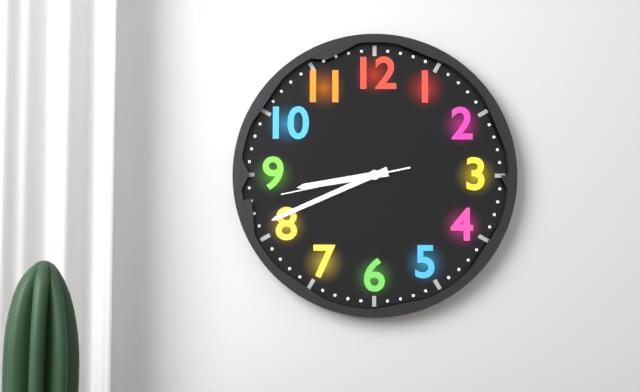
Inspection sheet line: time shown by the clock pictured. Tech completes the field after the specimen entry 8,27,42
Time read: 8,41,43
